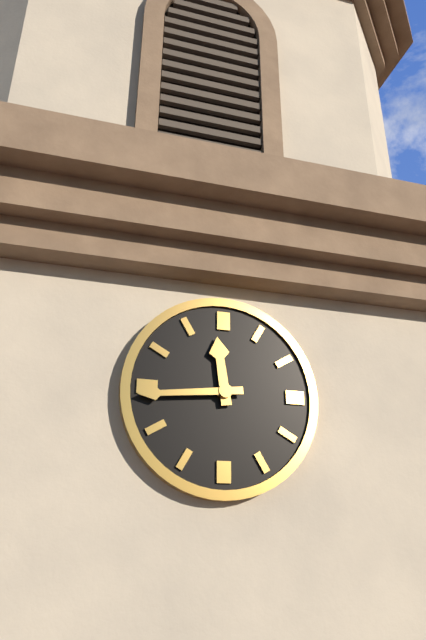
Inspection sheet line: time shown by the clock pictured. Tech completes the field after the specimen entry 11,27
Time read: 11,44
